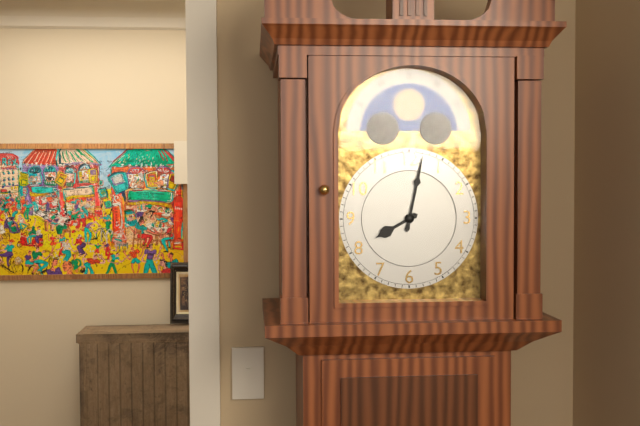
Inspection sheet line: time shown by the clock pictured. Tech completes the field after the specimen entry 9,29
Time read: 8,02
